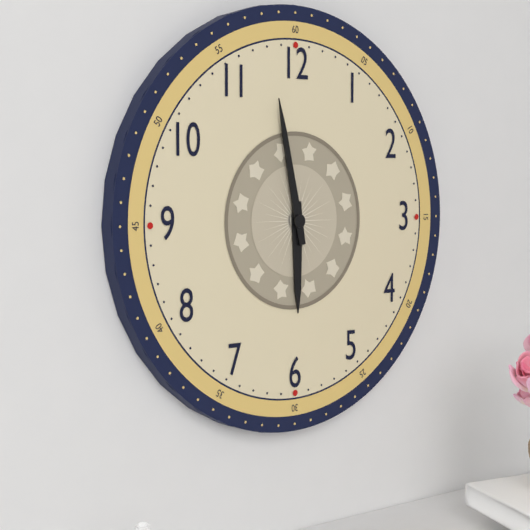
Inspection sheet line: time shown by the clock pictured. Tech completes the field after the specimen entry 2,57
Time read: 5,58
